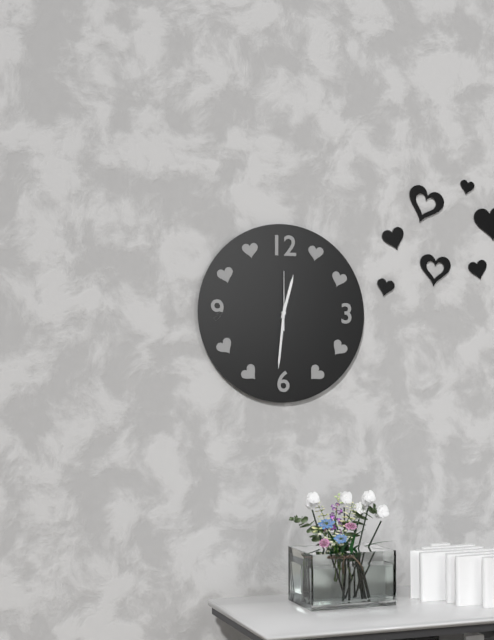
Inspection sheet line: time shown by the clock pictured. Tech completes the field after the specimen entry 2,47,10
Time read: 12,31,00
